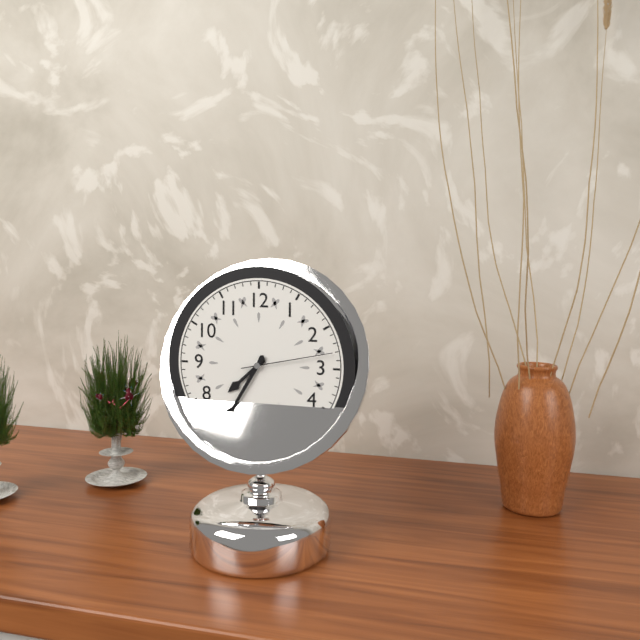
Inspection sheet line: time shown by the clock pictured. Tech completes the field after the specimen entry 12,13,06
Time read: 7,35,13
